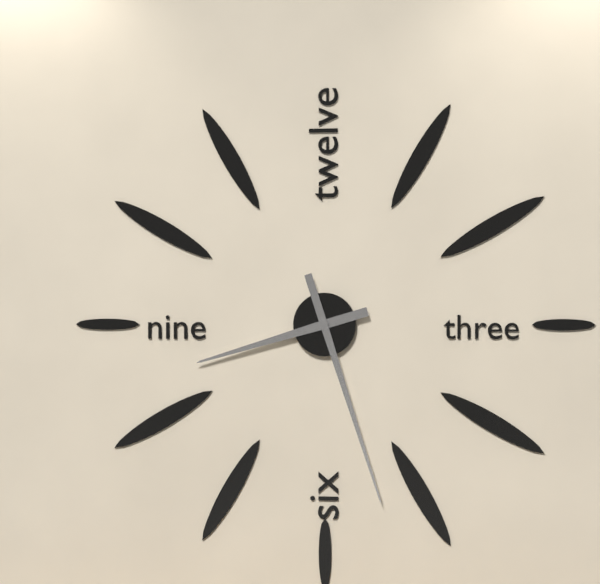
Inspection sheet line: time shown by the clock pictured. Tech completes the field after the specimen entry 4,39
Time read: 8,27
